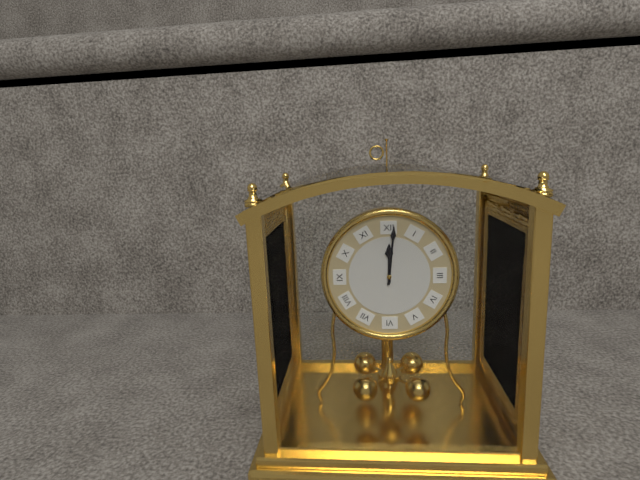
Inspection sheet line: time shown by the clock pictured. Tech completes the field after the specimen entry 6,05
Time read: 12,01
